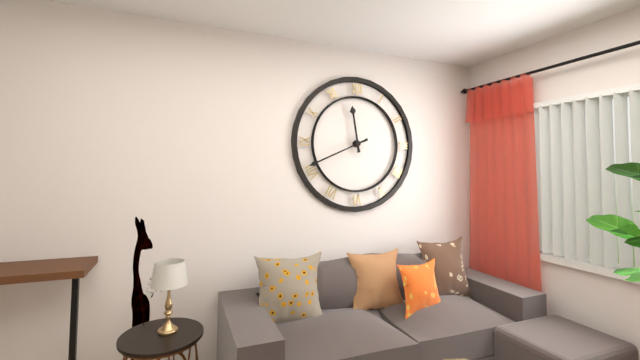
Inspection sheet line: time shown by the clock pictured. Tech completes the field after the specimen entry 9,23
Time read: 11,41
